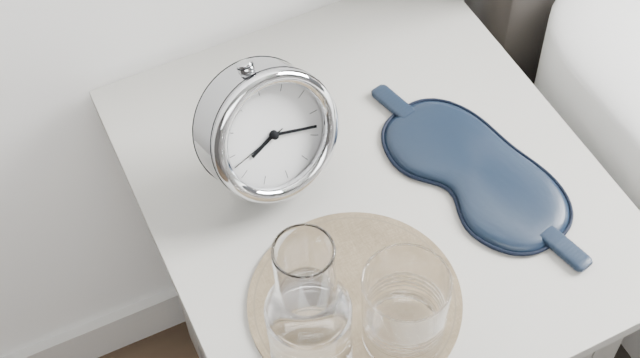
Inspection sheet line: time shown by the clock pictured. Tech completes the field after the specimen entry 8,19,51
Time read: 8,18,43
